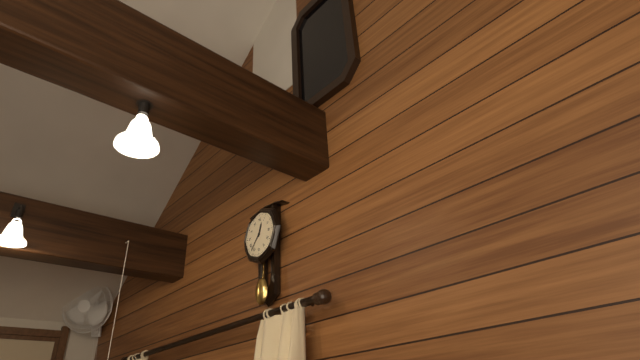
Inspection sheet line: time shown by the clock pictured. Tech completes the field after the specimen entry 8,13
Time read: 12,37
